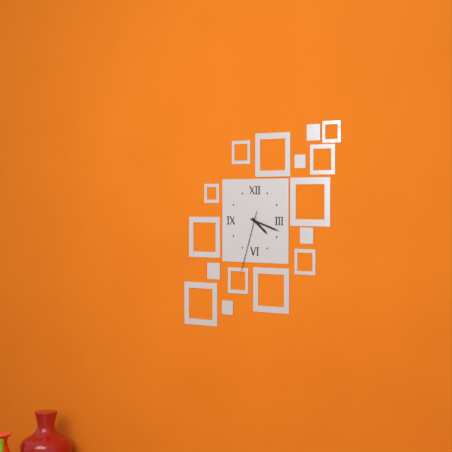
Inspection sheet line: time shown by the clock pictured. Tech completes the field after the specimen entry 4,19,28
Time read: 4,18,33
